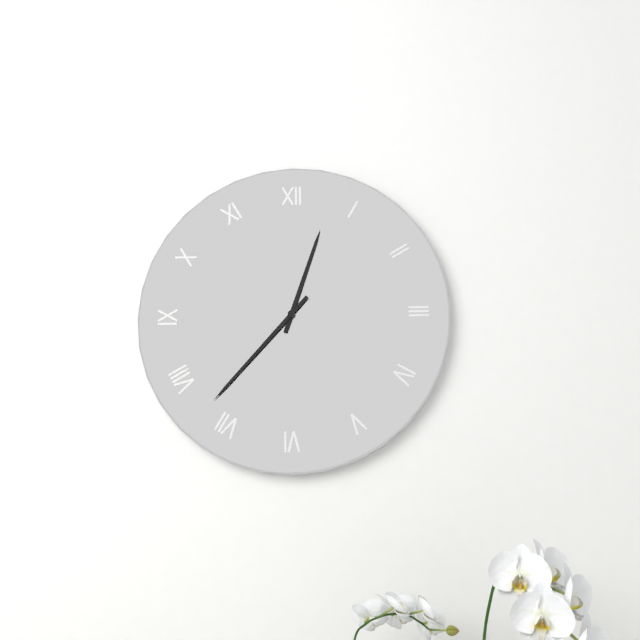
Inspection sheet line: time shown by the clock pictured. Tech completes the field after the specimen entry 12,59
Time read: 12,37
